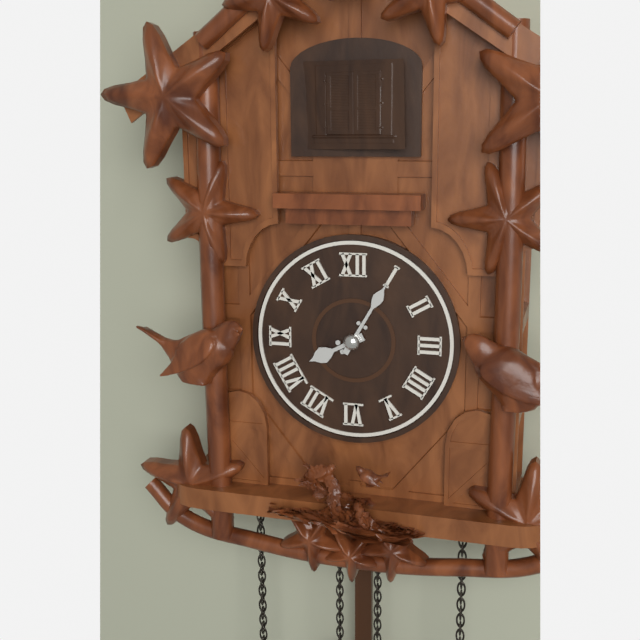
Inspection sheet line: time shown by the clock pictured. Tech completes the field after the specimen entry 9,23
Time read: 8,05
